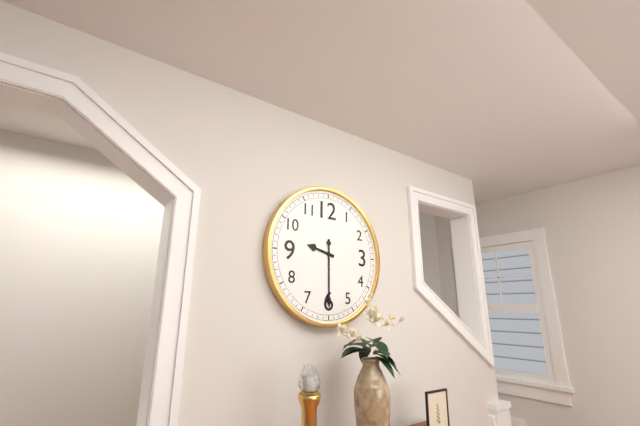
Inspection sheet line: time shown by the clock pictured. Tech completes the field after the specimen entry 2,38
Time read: 9,30
